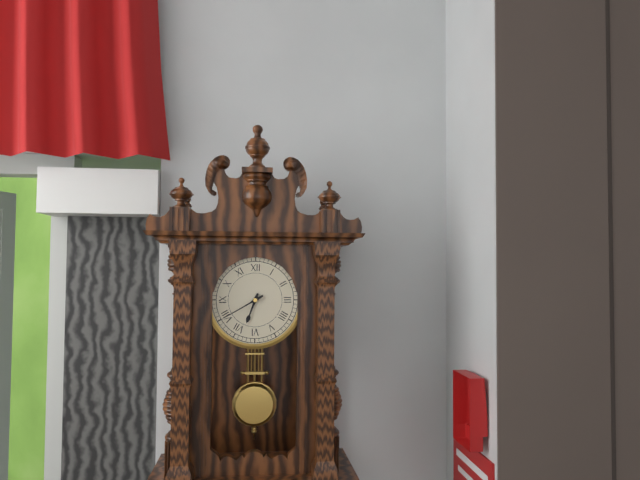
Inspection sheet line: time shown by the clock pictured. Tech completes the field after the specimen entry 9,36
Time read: 6,40
